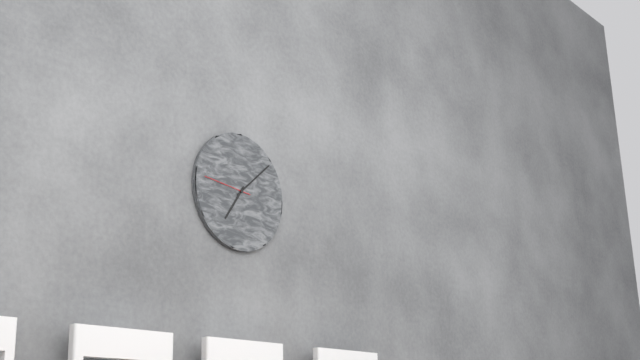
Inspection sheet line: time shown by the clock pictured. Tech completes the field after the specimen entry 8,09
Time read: 7,08
